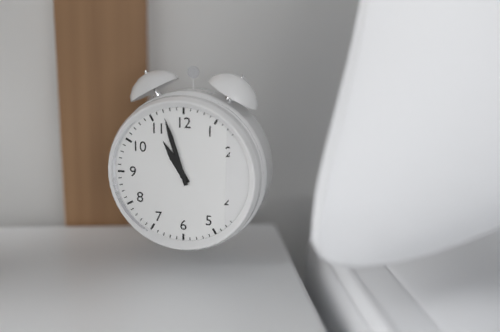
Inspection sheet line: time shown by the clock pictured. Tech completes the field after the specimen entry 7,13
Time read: 10,57
